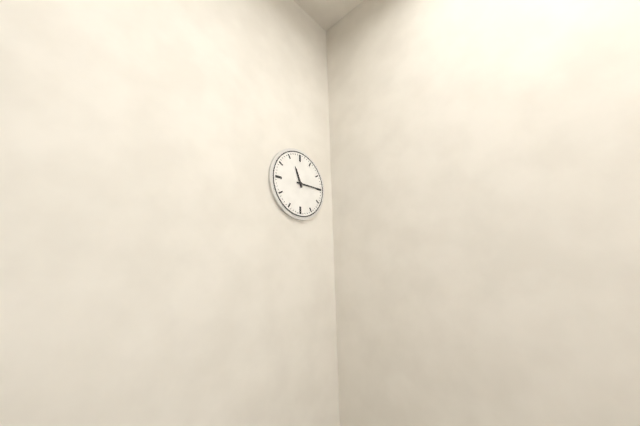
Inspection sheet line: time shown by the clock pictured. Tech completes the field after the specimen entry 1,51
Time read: 11,15
